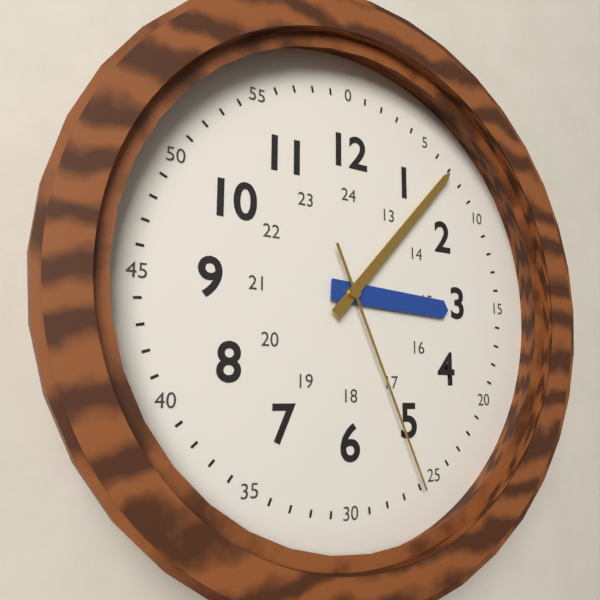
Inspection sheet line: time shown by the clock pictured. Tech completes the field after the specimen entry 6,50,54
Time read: 3,07,26
